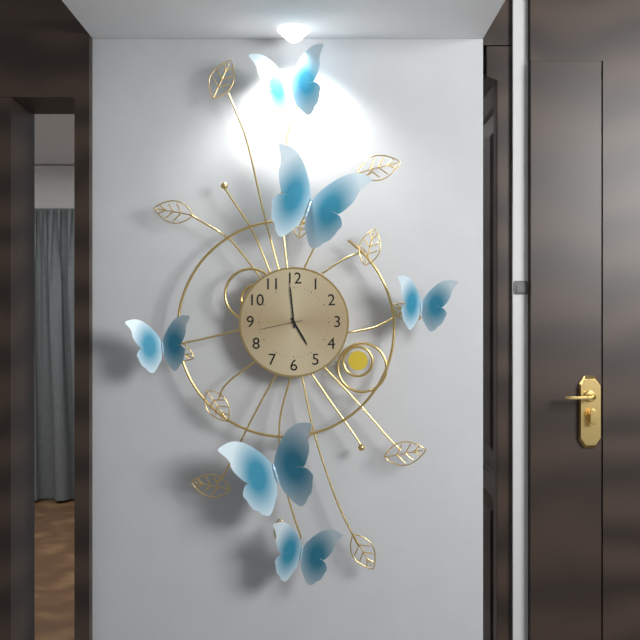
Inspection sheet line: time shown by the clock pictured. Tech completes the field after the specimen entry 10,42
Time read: 4,59
